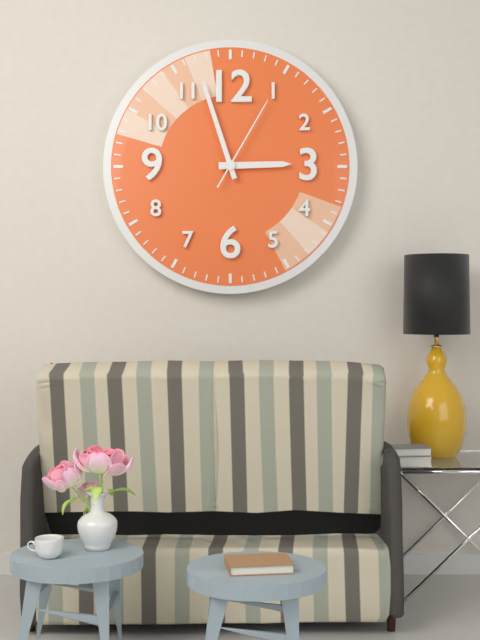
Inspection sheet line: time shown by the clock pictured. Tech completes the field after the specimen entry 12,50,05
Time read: 2,57,05
